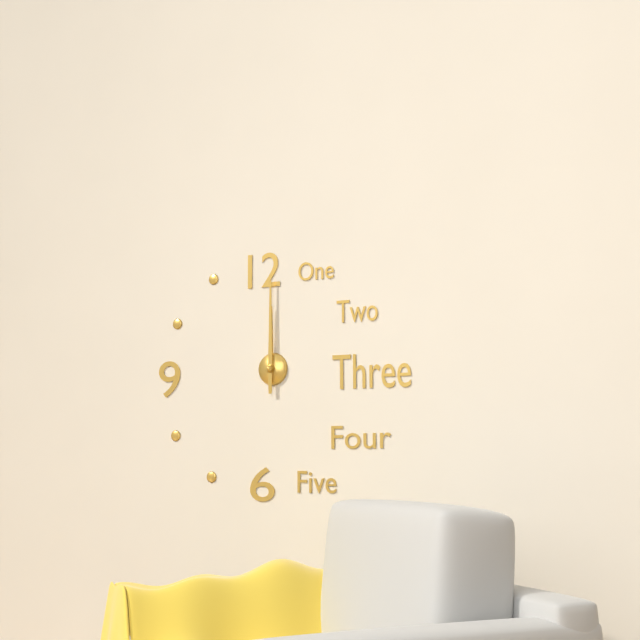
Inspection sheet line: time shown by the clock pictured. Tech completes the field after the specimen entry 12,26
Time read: 12,00
